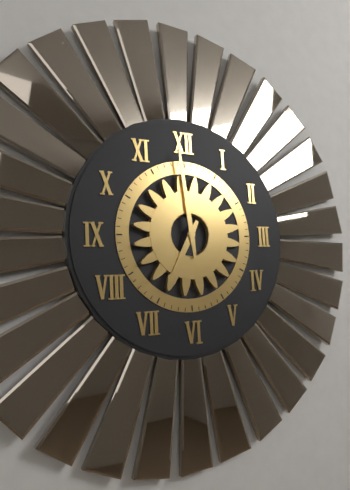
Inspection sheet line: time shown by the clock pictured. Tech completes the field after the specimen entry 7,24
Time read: 6,59
